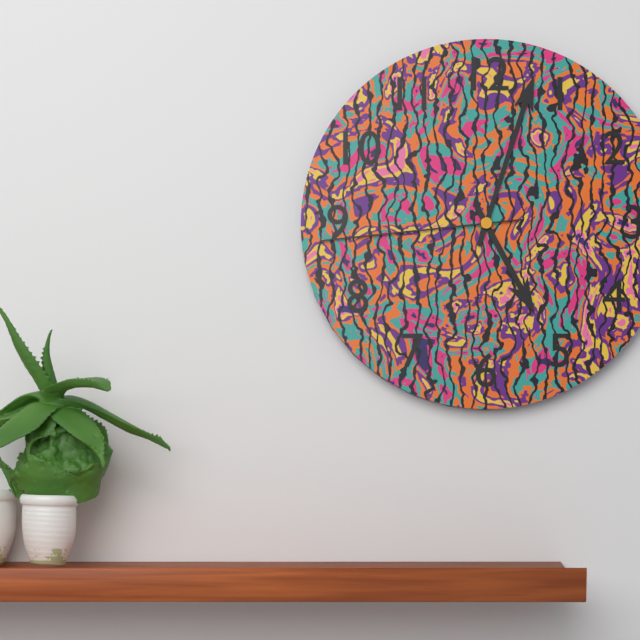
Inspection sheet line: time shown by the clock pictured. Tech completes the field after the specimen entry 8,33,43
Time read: 5,03,44
